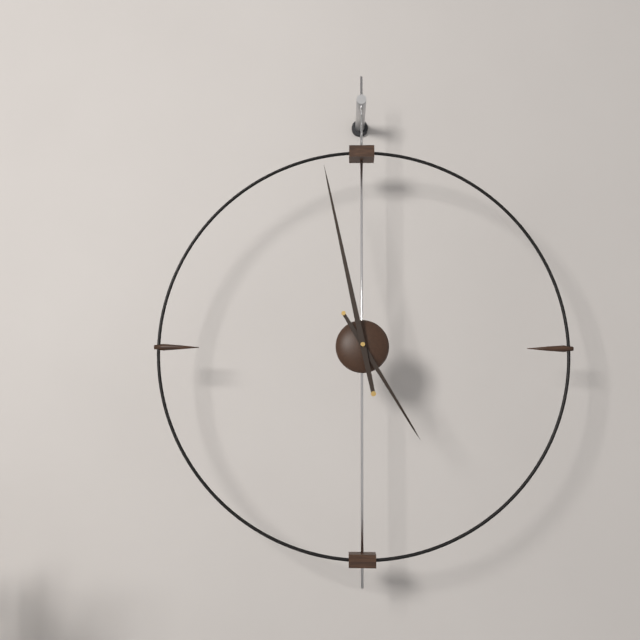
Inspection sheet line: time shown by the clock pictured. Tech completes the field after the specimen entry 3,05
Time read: 4,58
